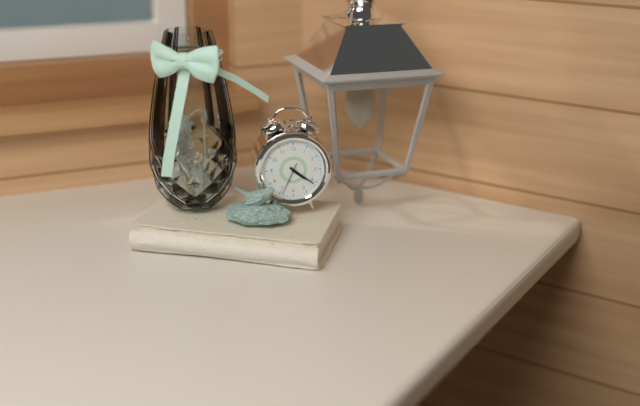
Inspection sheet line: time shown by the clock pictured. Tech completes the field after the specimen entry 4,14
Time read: 4,21
